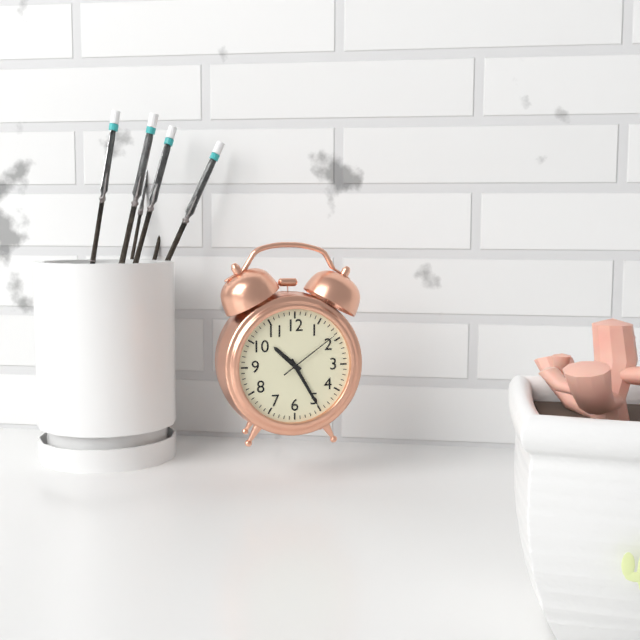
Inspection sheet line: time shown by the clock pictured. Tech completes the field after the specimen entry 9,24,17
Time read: 10,25,09
